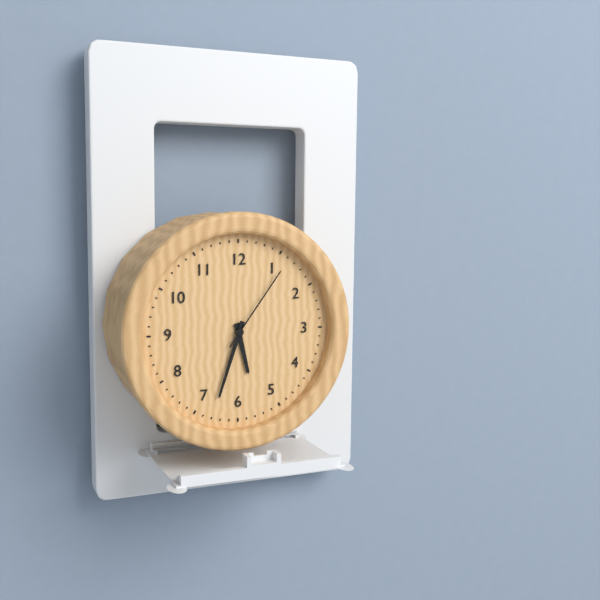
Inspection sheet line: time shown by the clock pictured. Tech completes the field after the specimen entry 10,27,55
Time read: 5,33,06
